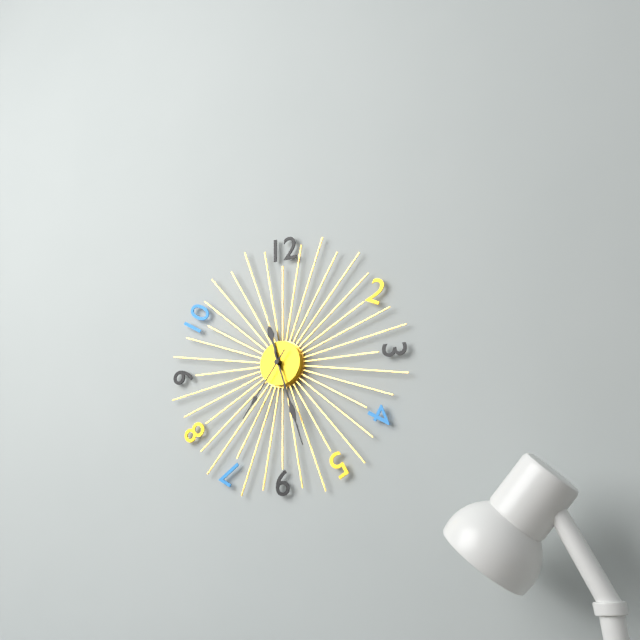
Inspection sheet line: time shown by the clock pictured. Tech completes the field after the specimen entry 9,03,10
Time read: 11,27,36
